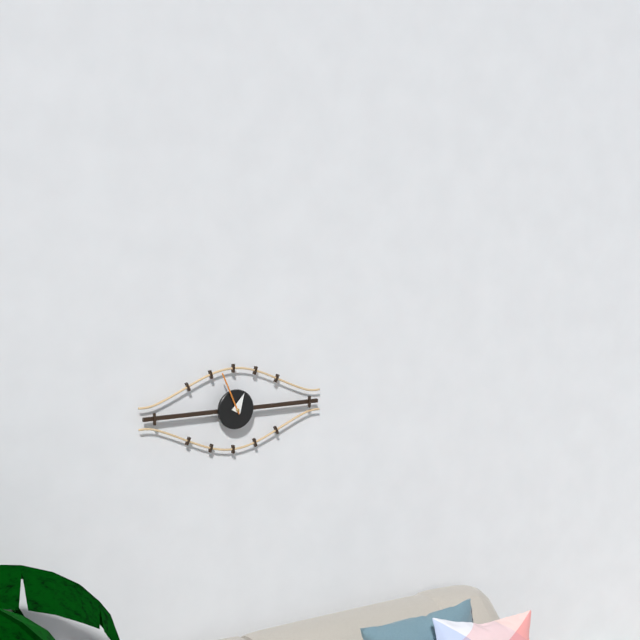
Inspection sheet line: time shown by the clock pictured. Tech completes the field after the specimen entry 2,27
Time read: 12,56
